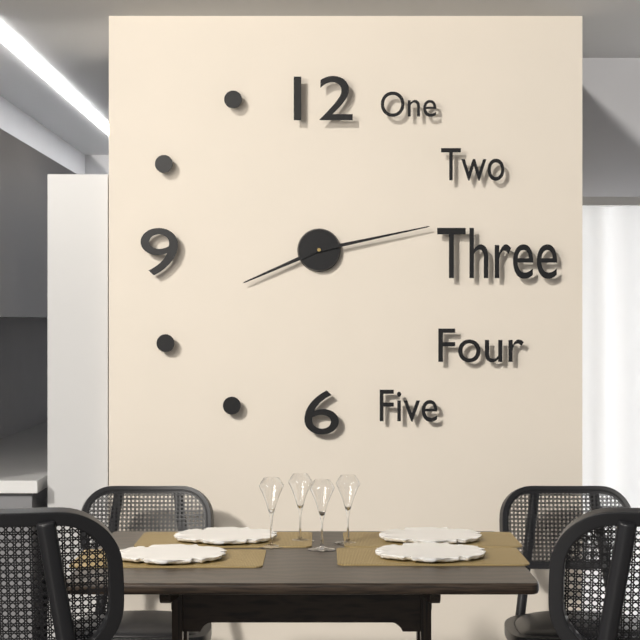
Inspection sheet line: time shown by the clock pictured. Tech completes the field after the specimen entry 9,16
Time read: 8,13
